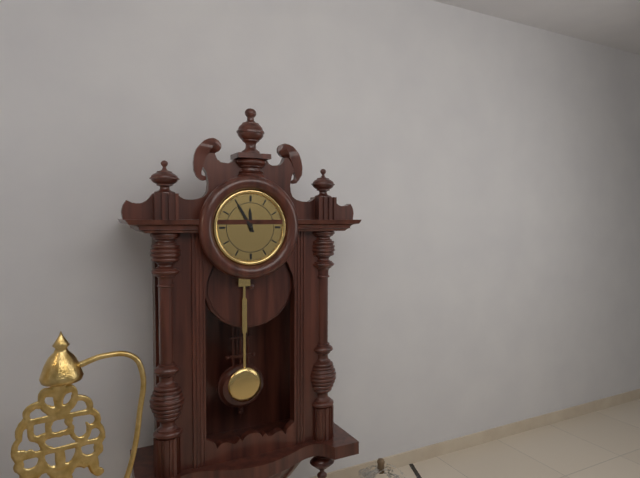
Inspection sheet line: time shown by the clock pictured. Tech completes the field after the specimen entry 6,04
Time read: 11,55
